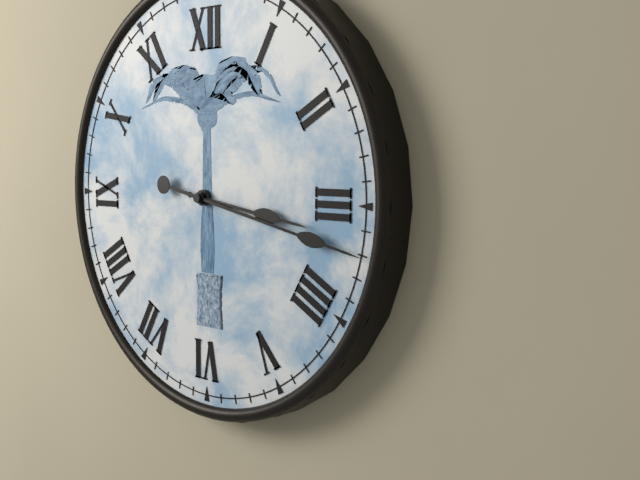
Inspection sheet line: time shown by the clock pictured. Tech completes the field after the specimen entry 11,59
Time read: 3,17
